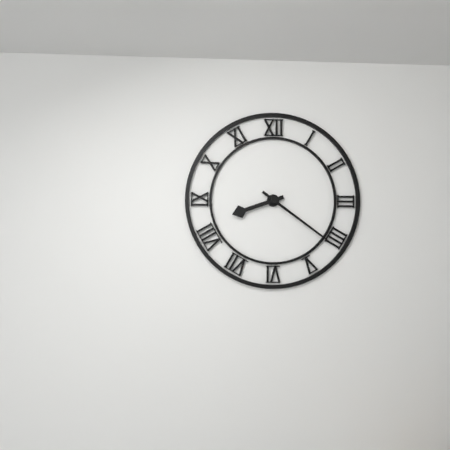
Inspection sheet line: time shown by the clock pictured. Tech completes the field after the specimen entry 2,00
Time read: 8,21
